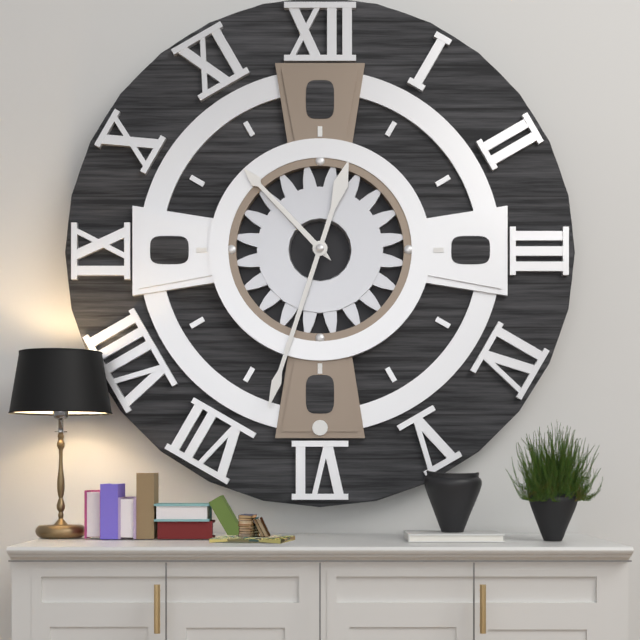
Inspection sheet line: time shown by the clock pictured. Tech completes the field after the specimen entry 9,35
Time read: 10,33
